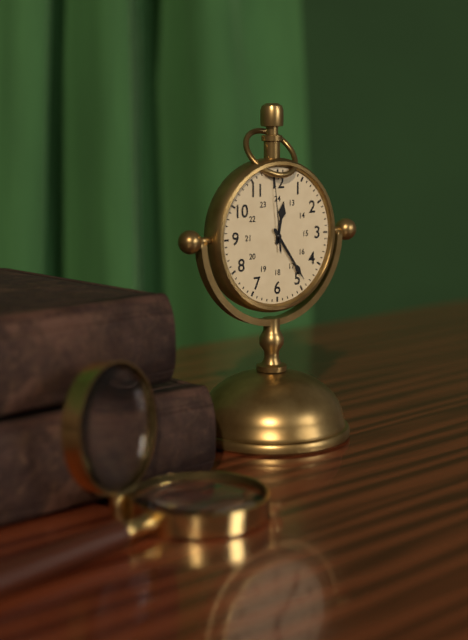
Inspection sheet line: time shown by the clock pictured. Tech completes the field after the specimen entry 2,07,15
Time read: 12,24,59
